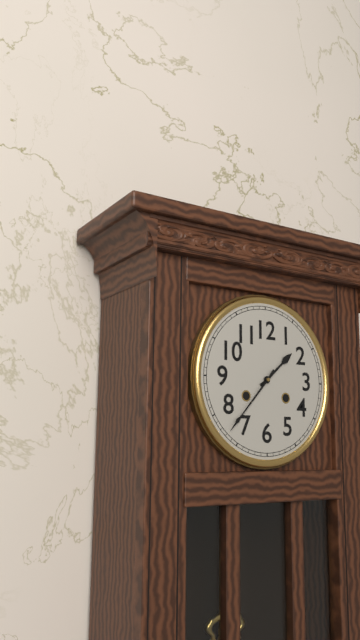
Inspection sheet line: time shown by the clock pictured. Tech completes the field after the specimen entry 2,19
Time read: 1,37
